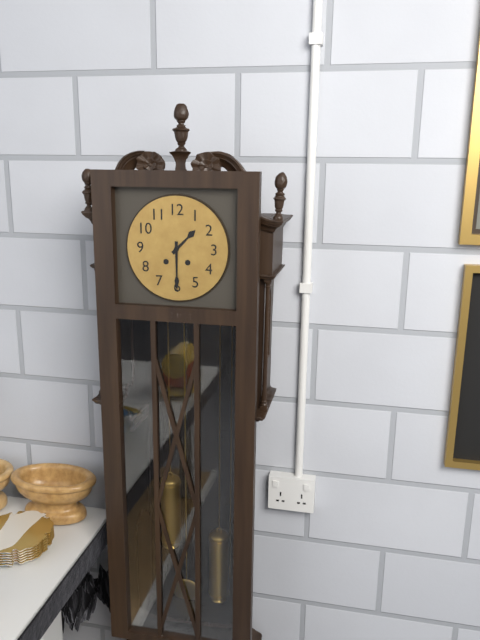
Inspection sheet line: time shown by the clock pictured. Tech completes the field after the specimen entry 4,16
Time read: 1,30
